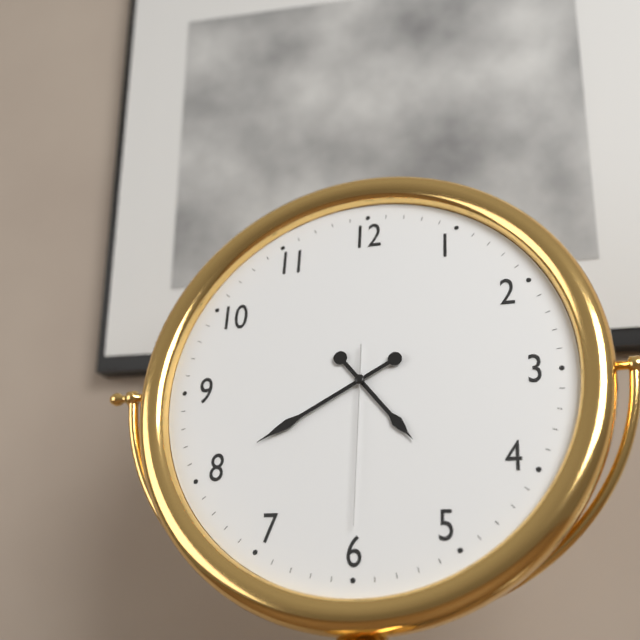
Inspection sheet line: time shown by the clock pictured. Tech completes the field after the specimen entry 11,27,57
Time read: 4,40,30
